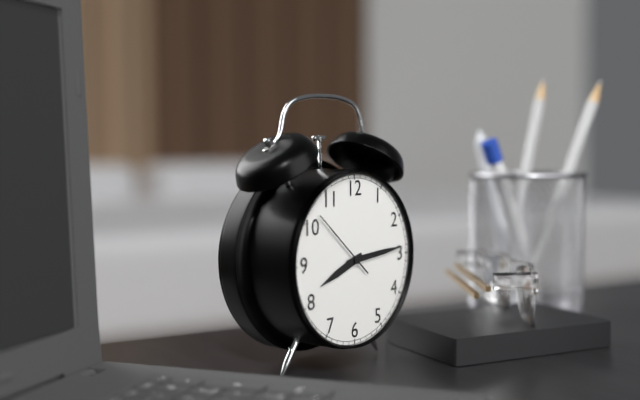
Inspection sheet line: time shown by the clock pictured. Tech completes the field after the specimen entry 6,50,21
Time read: 8,14,52
